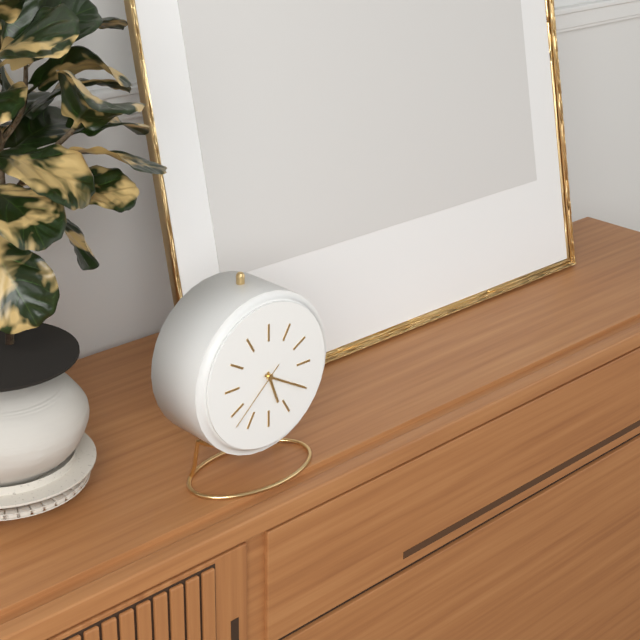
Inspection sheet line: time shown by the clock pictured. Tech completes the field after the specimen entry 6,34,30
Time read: 5,20,38
